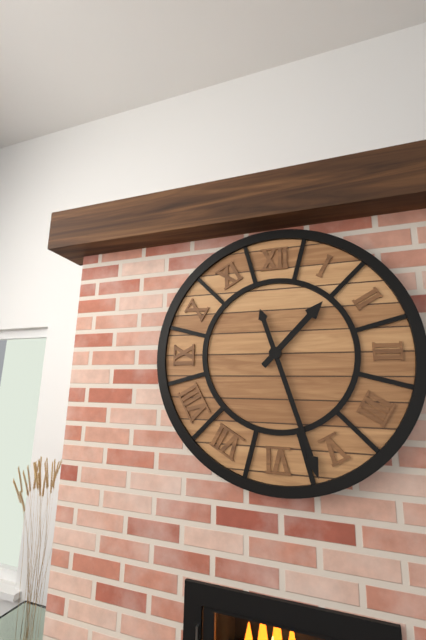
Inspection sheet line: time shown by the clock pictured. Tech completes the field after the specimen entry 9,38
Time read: 1,27
